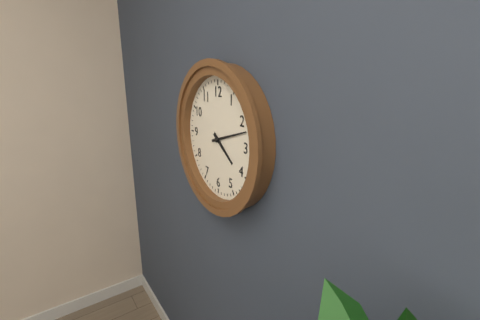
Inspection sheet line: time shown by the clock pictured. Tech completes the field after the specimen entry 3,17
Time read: 4,12
